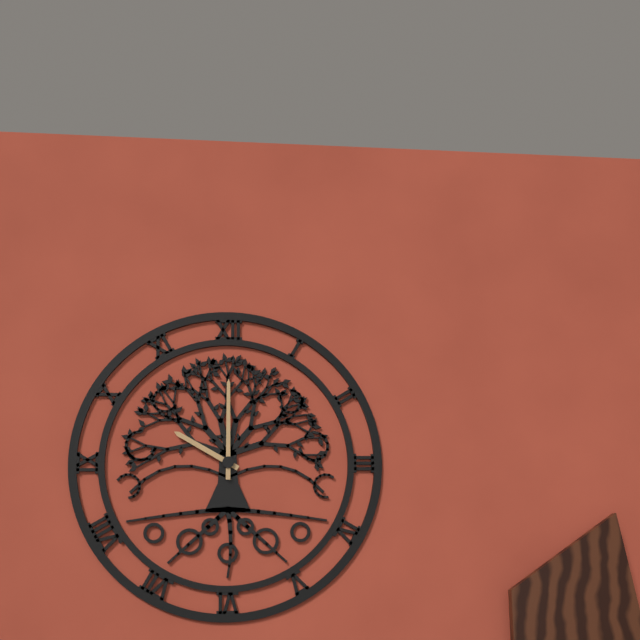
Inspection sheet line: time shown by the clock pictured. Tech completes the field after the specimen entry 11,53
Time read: 10,00
